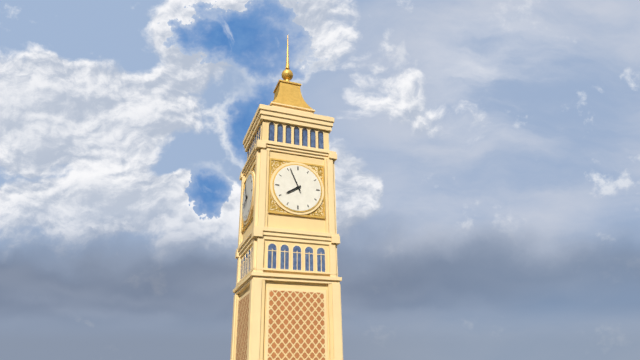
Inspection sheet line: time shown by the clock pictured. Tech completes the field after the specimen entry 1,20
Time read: 7,56
